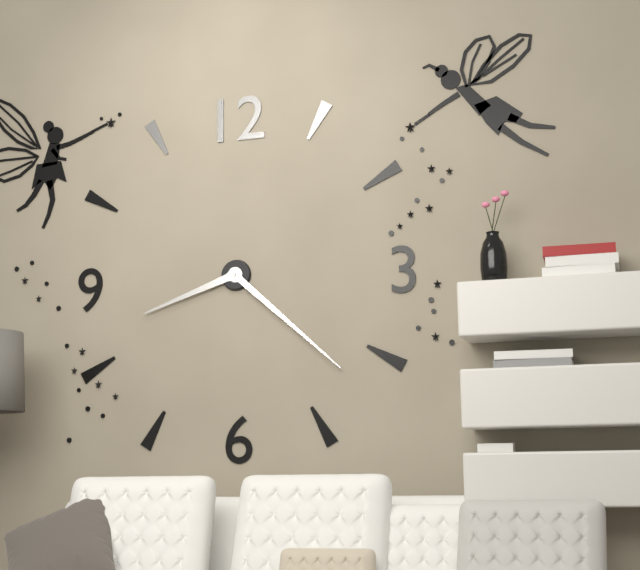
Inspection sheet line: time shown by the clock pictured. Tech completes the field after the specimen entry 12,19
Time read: 8,22
